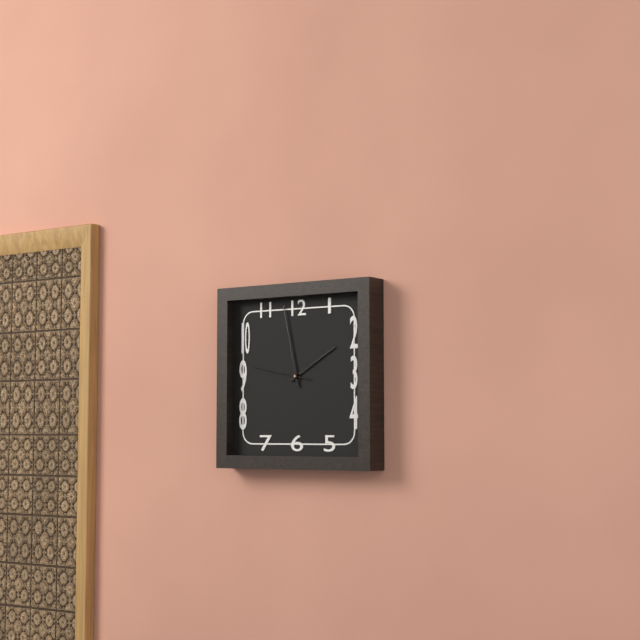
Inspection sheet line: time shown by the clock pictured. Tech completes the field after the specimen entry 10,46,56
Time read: 1,58,47
